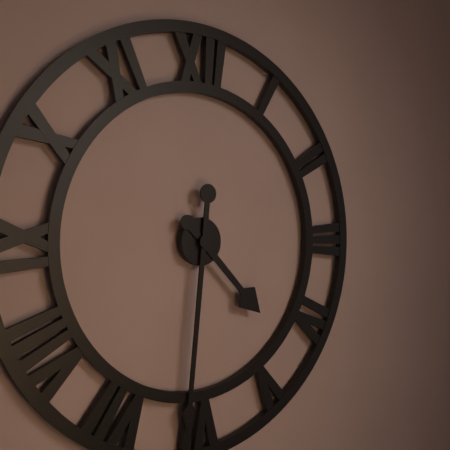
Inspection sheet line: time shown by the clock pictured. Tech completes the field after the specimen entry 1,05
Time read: 4,31
